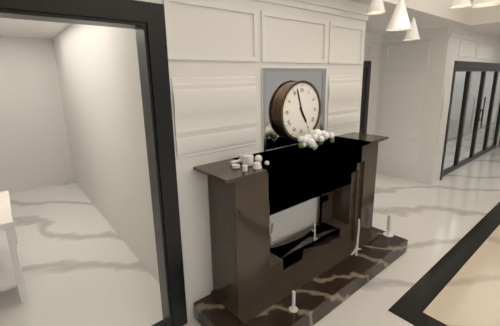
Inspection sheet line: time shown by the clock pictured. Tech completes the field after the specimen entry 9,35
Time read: 4,57
